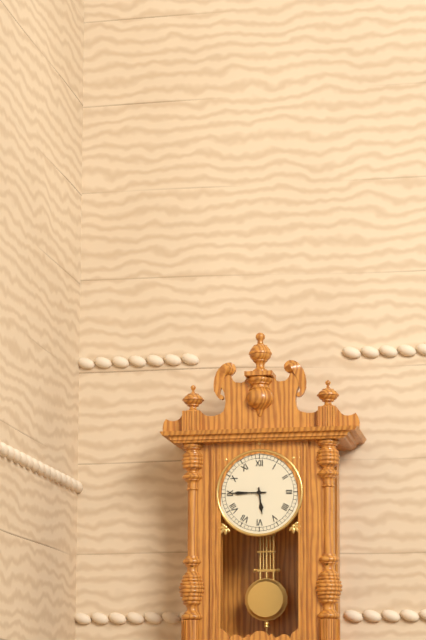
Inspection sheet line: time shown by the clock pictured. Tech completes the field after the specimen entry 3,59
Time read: 5,45
